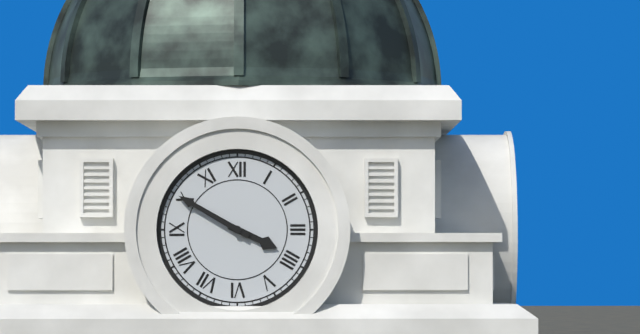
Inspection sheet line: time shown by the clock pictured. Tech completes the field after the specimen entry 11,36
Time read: 3,50
